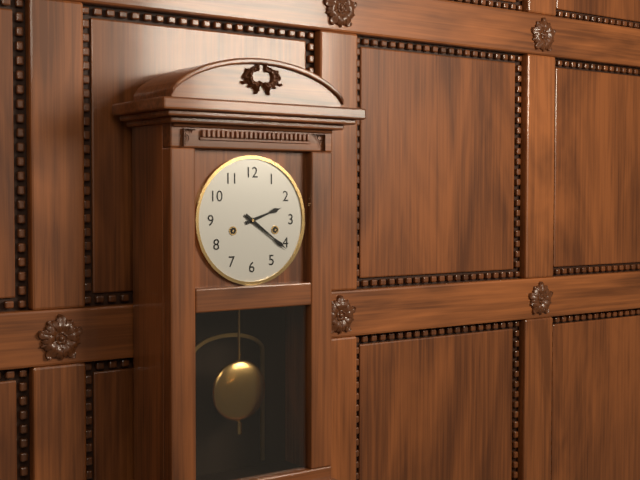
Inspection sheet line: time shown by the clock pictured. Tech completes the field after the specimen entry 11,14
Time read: 2,21
